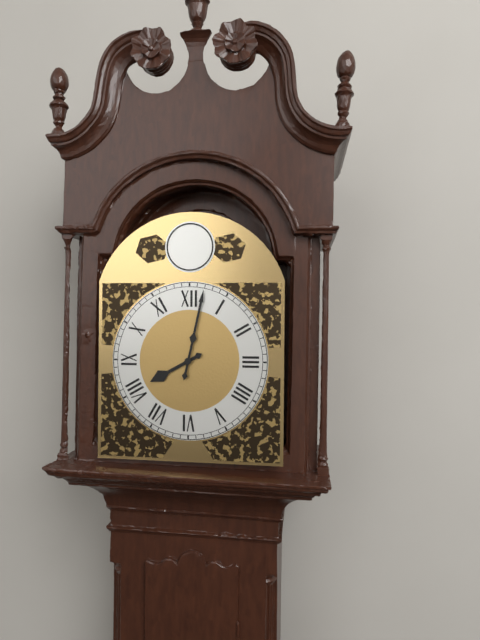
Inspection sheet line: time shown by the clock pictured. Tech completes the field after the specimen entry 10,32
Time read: 8,02
